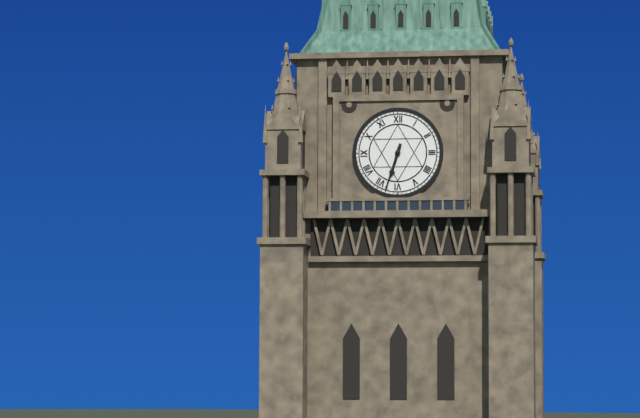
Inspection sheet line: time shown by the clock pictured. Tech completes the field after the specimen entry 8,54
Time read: 6,33
